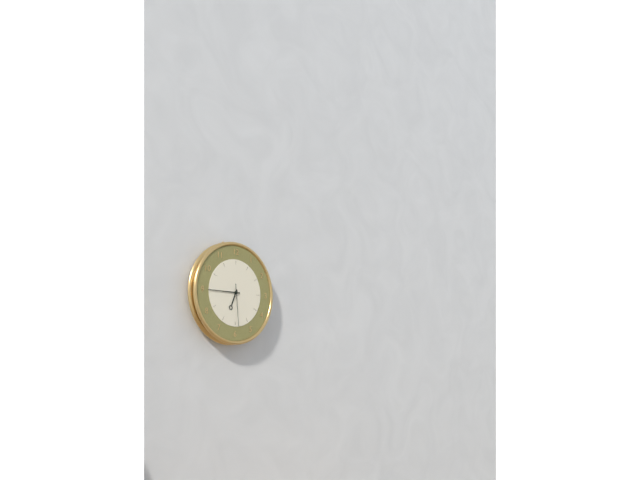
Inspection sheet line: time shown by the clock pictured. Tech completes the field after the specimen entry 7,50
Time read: 6,45
